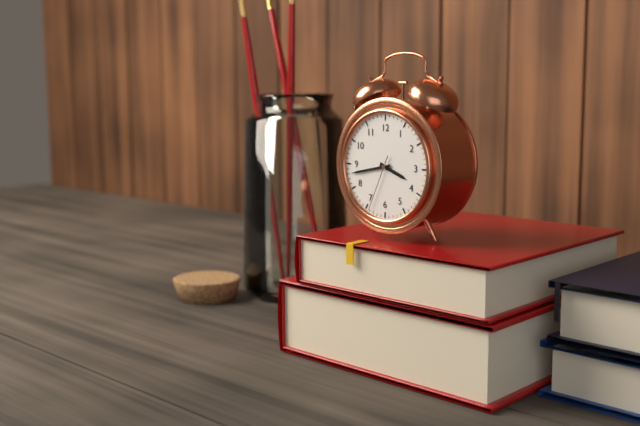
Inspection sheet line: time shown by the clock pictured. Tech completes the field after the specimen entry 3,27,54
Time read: 3,43,34
